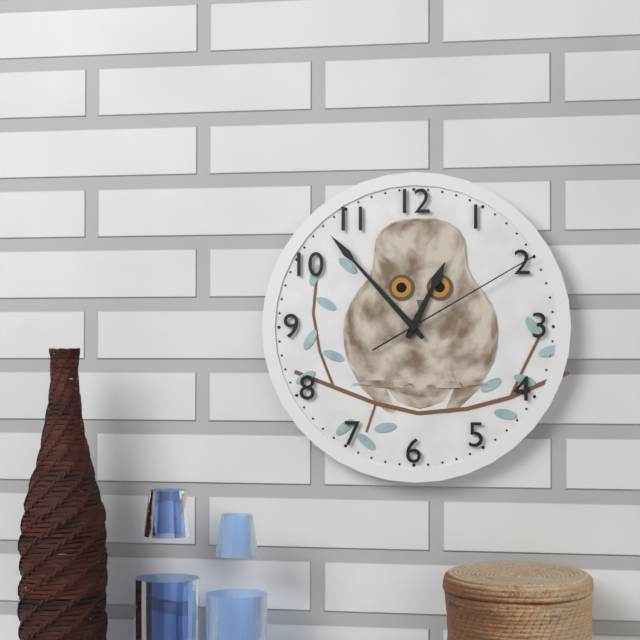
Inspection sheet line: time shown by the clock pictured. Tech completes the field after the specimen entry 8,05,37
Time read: 12,53,10
